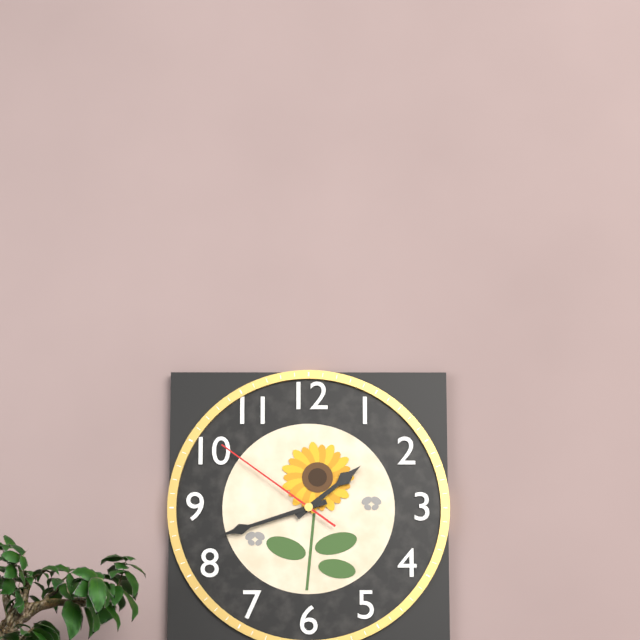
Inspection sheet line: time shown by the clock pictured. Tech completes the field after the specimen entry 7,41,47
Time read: 1,42,51
